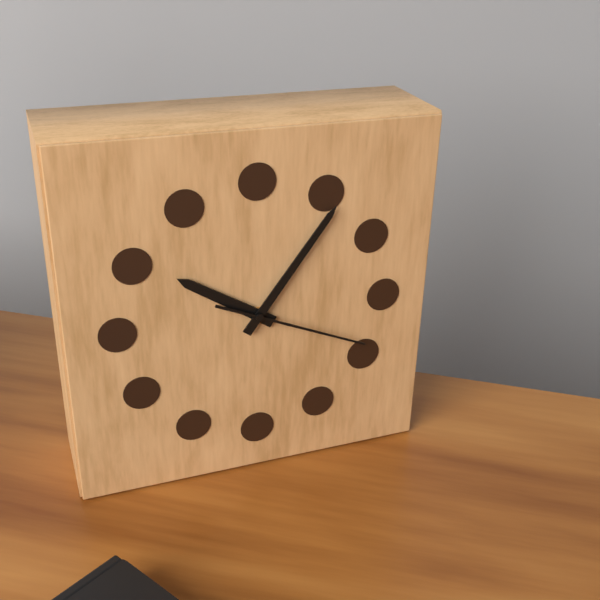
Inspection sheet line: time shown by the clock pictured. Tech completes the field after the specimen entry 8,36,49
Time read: 10,06,19
